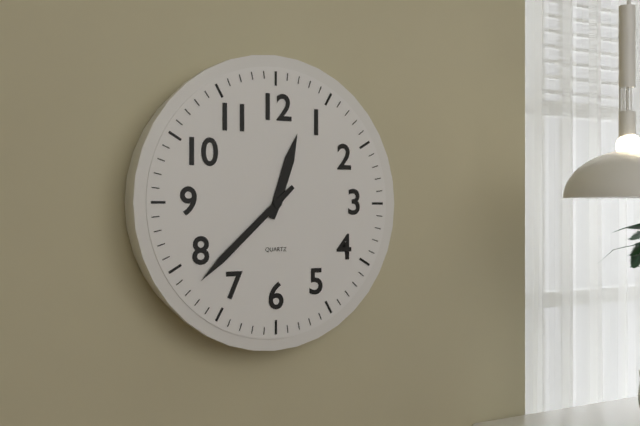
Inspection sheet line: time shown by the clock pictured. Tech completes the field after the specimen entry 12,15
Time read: 12,38
